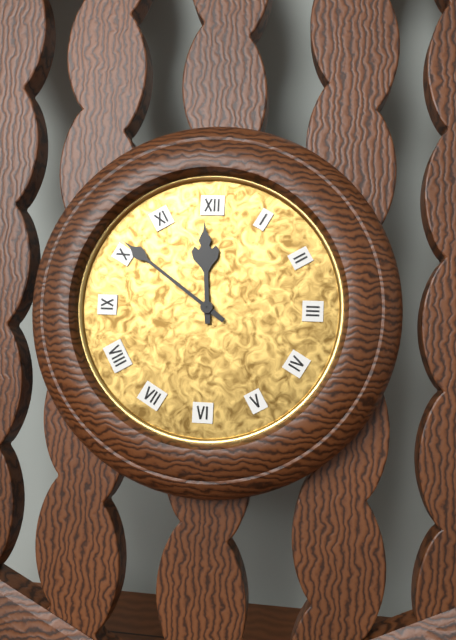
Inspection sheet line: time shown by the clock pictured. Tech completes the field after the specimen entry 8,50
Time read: 11,51
